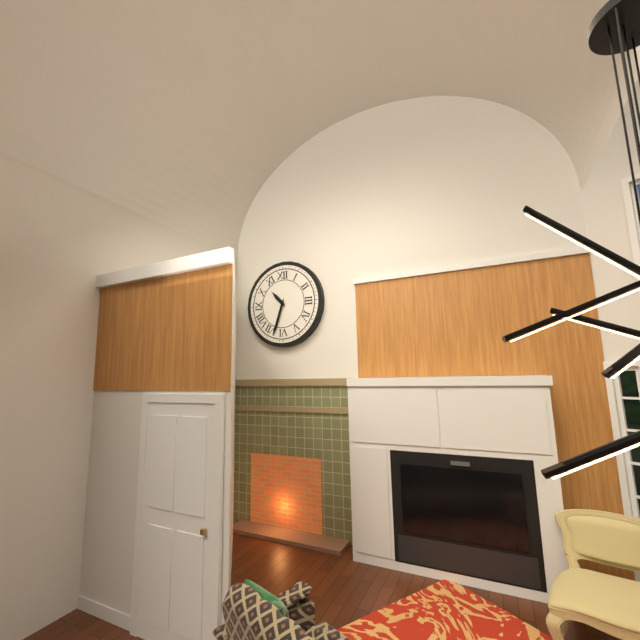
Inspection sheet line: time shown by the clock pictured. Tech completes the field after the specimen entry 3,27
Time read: 10,33
